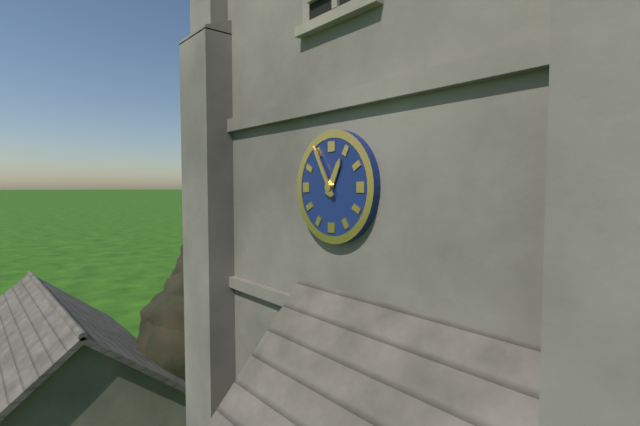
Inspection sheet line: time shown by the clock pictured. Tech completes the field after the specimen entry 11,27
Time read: 12,55
